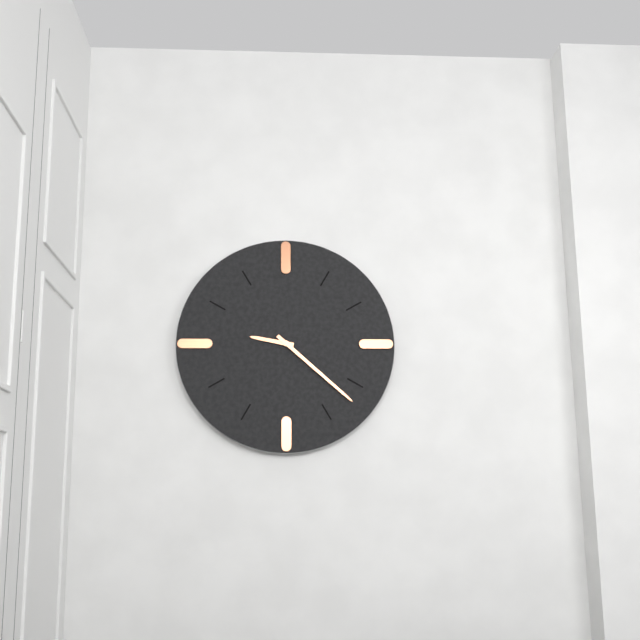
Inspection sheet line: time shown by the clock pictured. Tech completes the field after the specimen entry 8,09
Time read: 9,22
